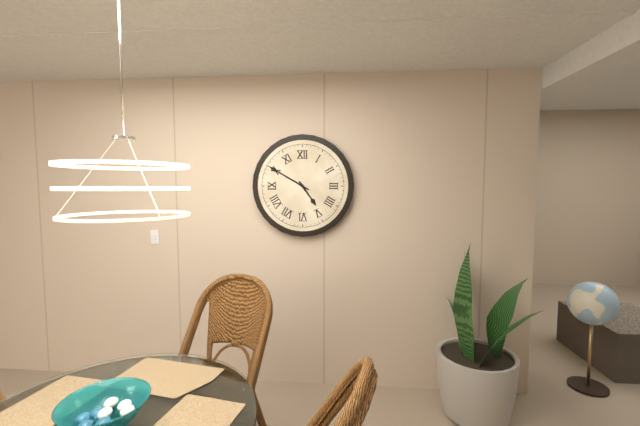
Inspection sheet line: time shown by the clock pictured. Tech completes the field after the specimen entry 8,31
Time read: 4,50
